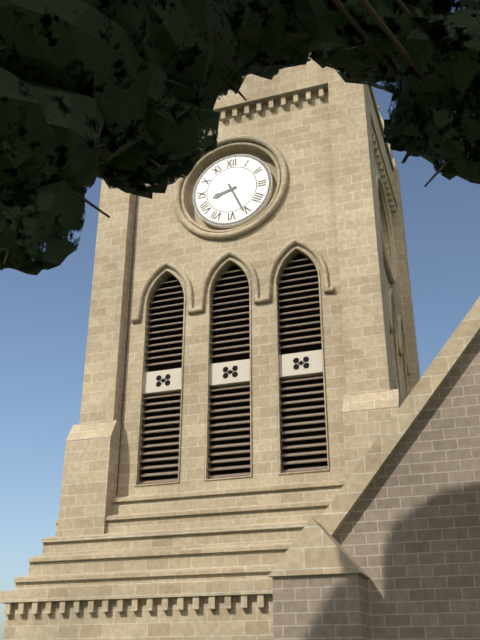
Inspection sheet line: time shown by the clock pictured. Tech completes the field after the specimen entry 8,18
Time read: 8,26
